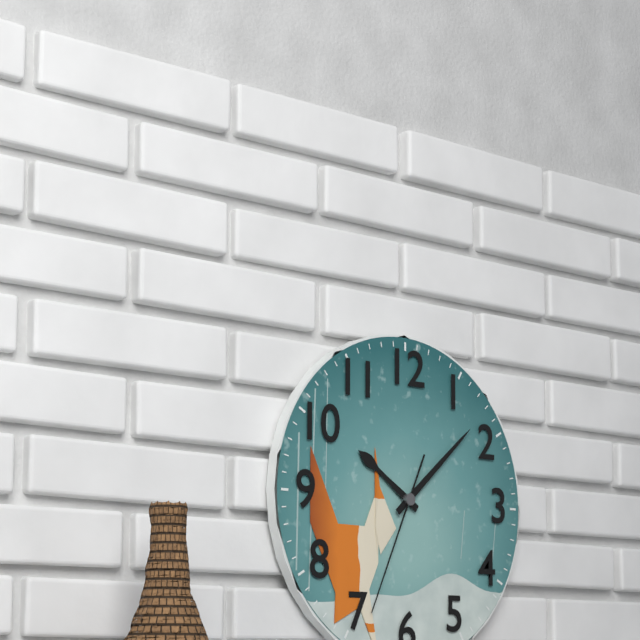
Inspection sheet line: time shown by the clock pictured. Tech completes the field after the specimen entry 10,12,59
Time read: 10,08,34
